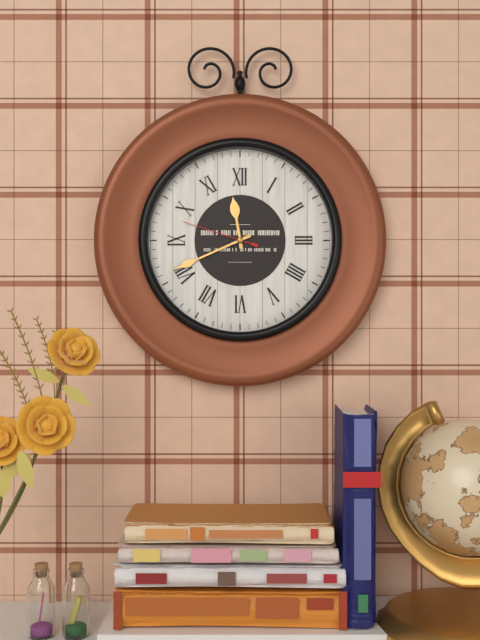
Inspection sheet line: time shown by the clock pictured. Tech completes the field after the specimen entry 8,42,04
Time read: 11,41,48
